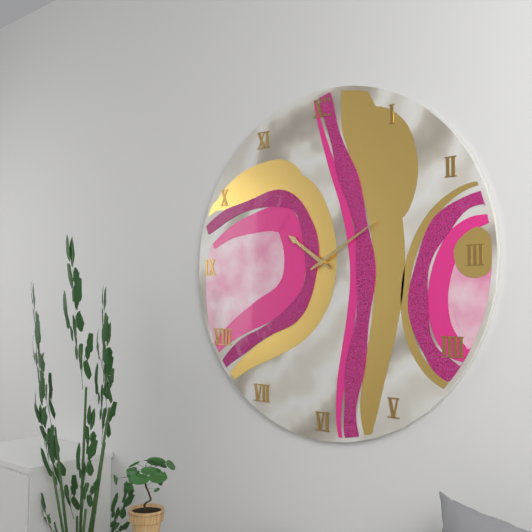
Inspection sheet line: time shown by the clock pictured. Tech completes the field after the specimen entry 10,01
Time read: 10,10
